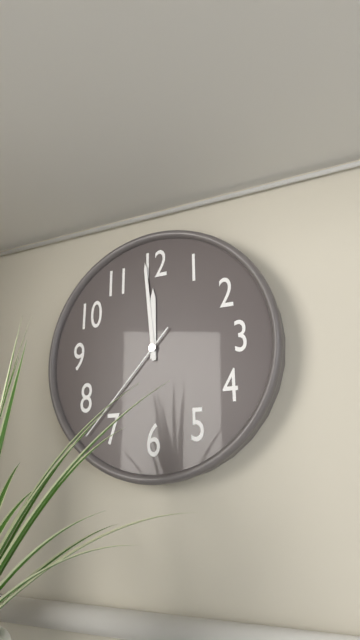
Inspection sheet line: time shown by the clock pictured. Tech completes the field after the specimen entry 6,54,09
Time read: 11,59,37
